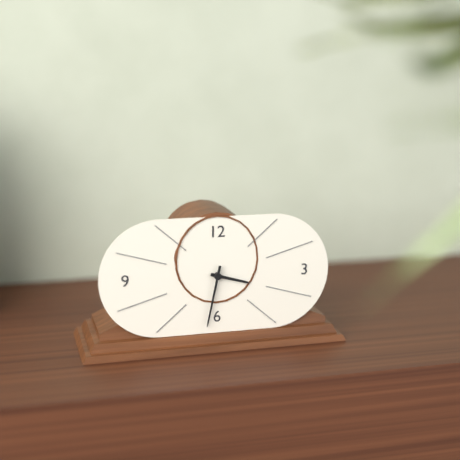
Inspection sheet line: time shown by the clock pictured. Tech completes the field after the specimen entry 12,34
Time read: 3,32
